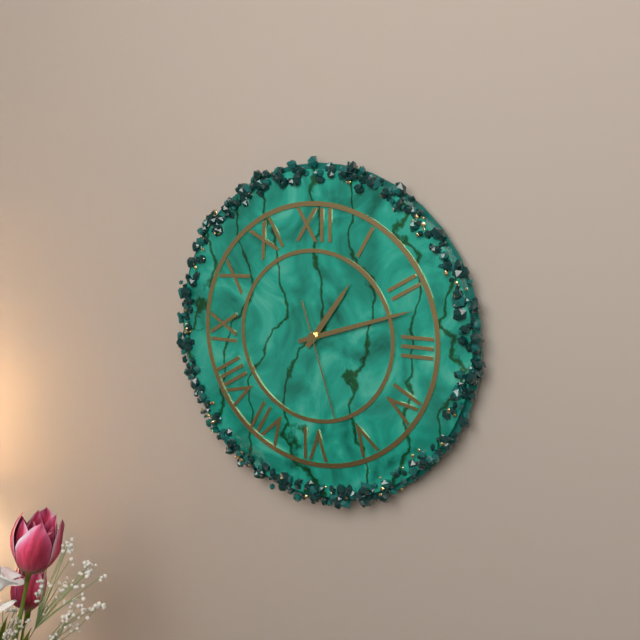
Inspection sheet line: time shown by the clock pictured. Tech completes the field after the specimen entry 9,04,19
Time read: 1,12,27
